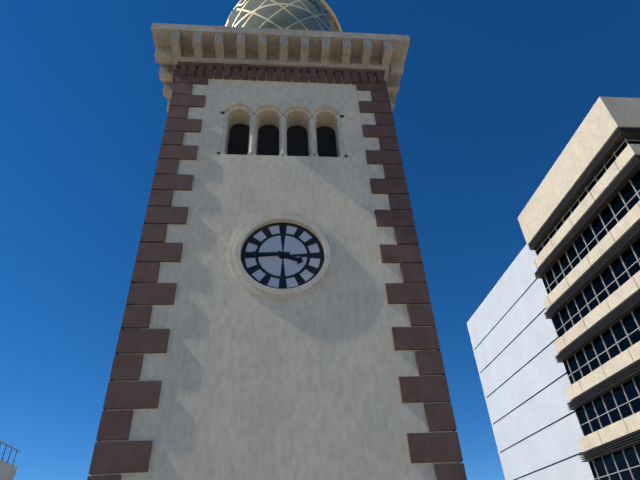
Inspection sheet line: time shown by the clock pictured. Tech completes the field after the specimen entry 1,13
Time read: 3,45
